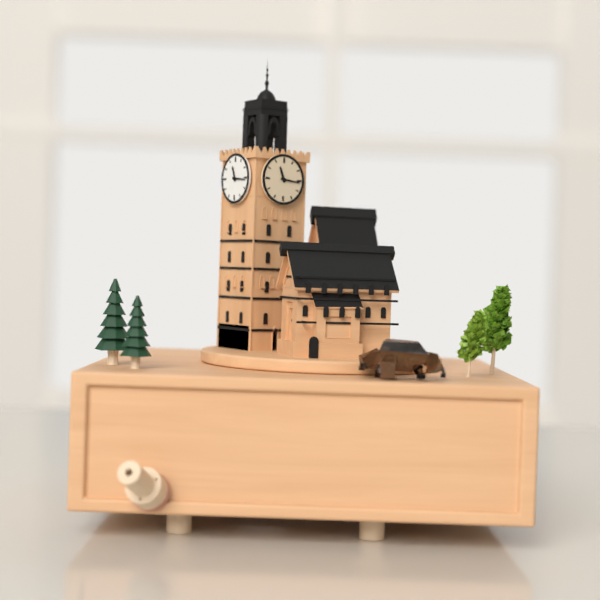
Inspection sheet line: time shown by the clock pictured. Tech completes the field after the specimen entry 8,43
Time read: 11,16
